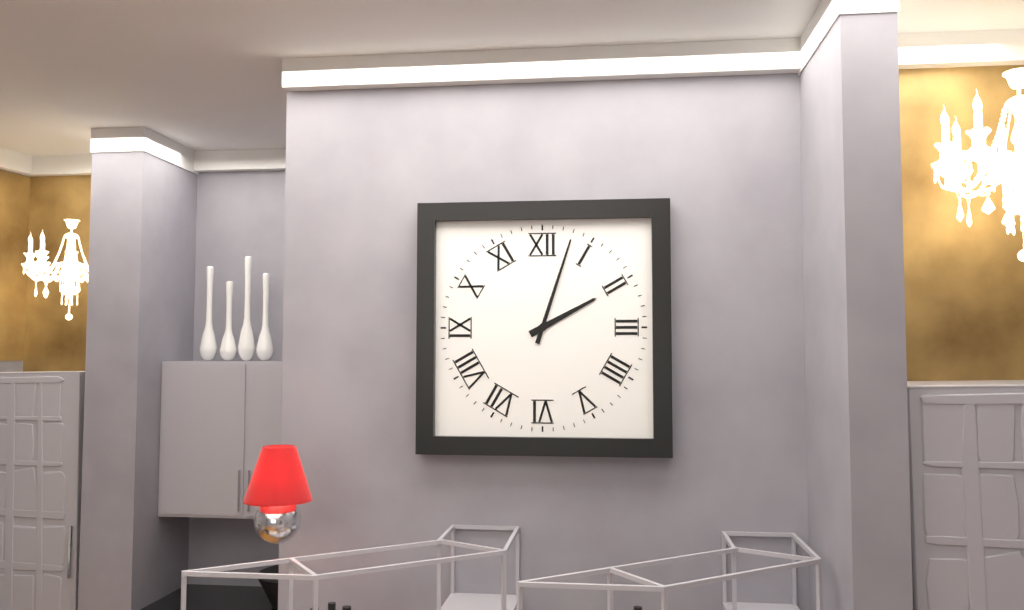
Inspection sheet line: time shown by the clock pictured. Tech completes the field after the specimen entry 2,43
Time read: 2,03
